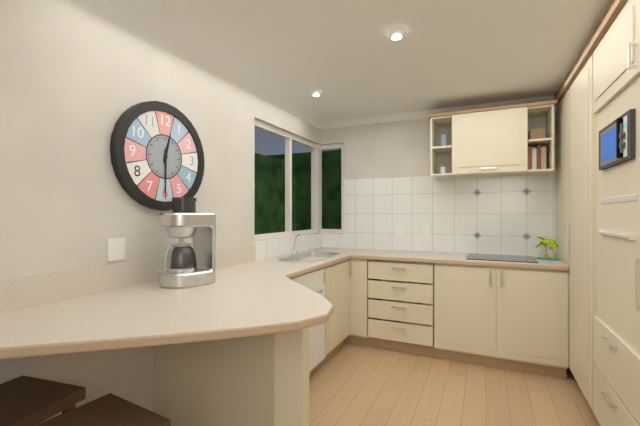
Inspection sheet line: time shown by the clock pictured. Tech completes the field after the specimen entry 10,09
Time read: 12,30
